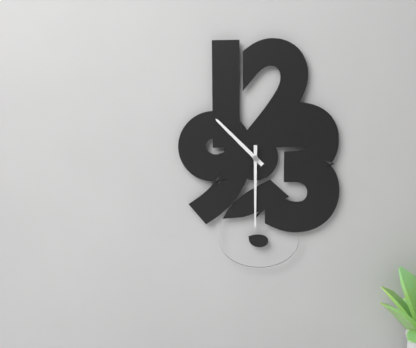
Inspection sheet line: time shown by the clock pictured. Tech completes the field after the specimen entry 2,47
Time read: 10,30
